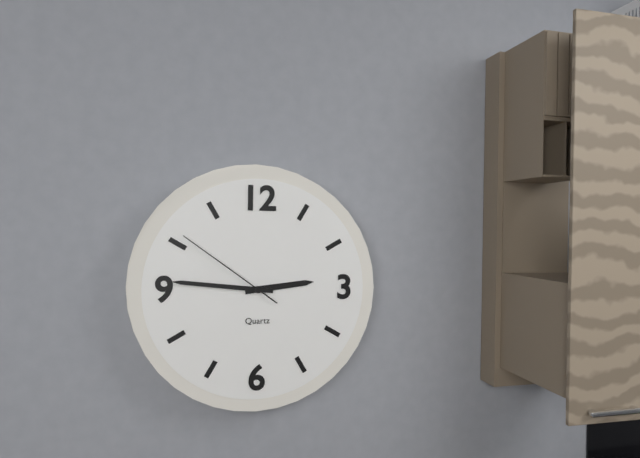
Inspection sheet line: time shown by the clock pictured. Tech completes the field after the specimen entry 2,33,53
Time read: 2,46,51
